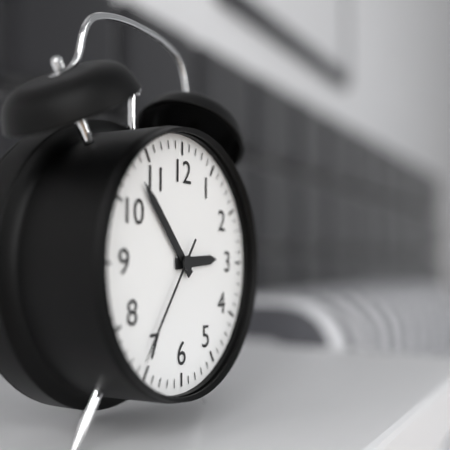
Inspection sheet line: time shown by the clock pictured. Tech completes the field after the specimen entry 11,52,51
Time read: 2,53,36
